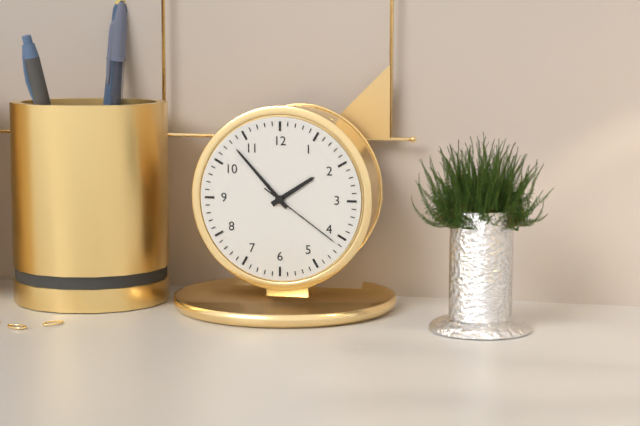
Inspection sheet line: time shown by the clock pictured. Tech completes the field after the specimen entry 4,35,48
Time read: 1,53,21
